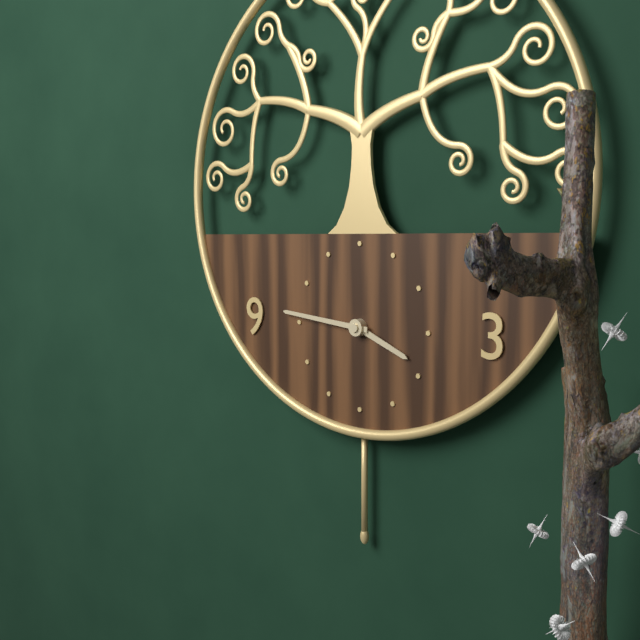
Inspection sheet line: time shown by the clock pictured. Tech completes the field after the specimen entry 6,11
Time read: 3,46
